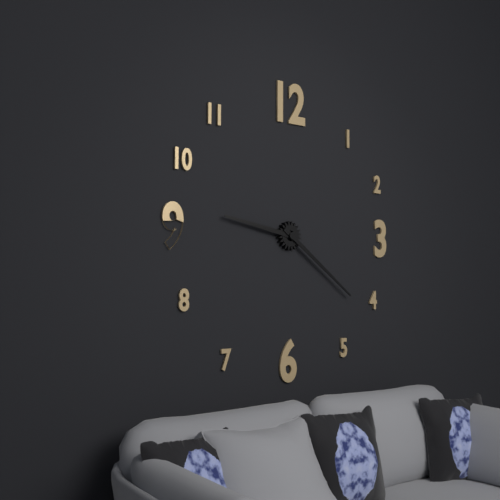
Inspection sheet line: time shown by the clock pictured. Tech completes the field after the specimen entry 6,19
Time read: 9,21
